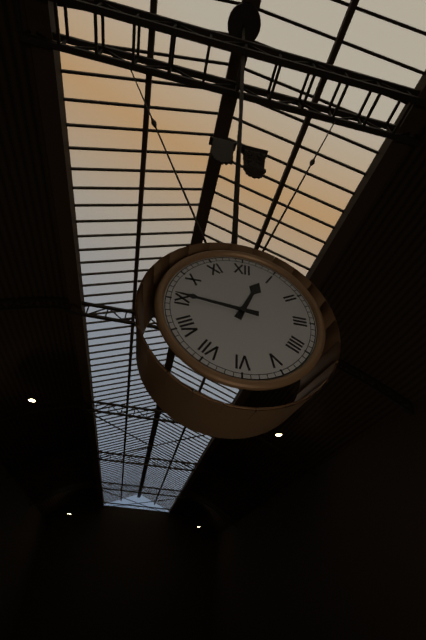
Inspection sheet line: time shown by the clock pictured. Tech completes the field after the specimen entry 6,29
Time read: 12,46
